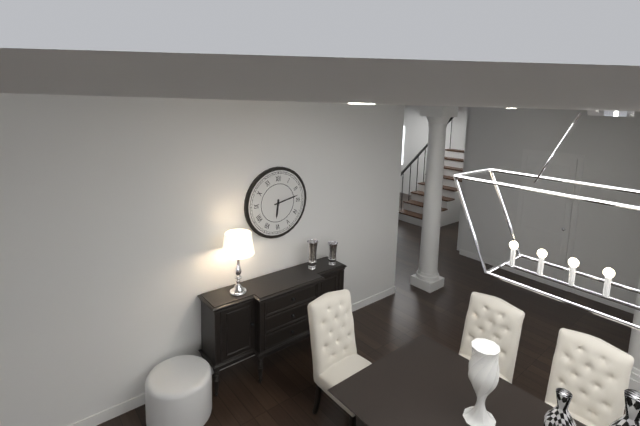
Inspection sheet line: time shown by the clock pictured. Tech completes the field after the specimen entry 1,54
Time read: 6,13
